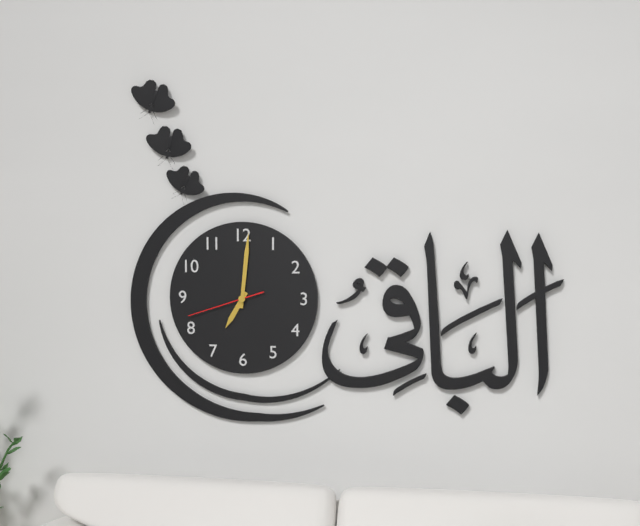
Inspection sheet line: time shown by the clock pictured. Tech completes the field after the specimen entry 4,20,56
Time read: 7,01,42
